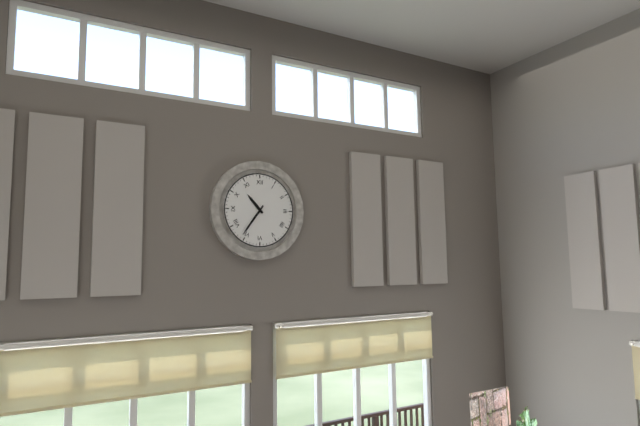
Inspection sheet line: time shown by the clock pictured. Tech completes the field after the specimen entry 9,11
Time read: 10,36
